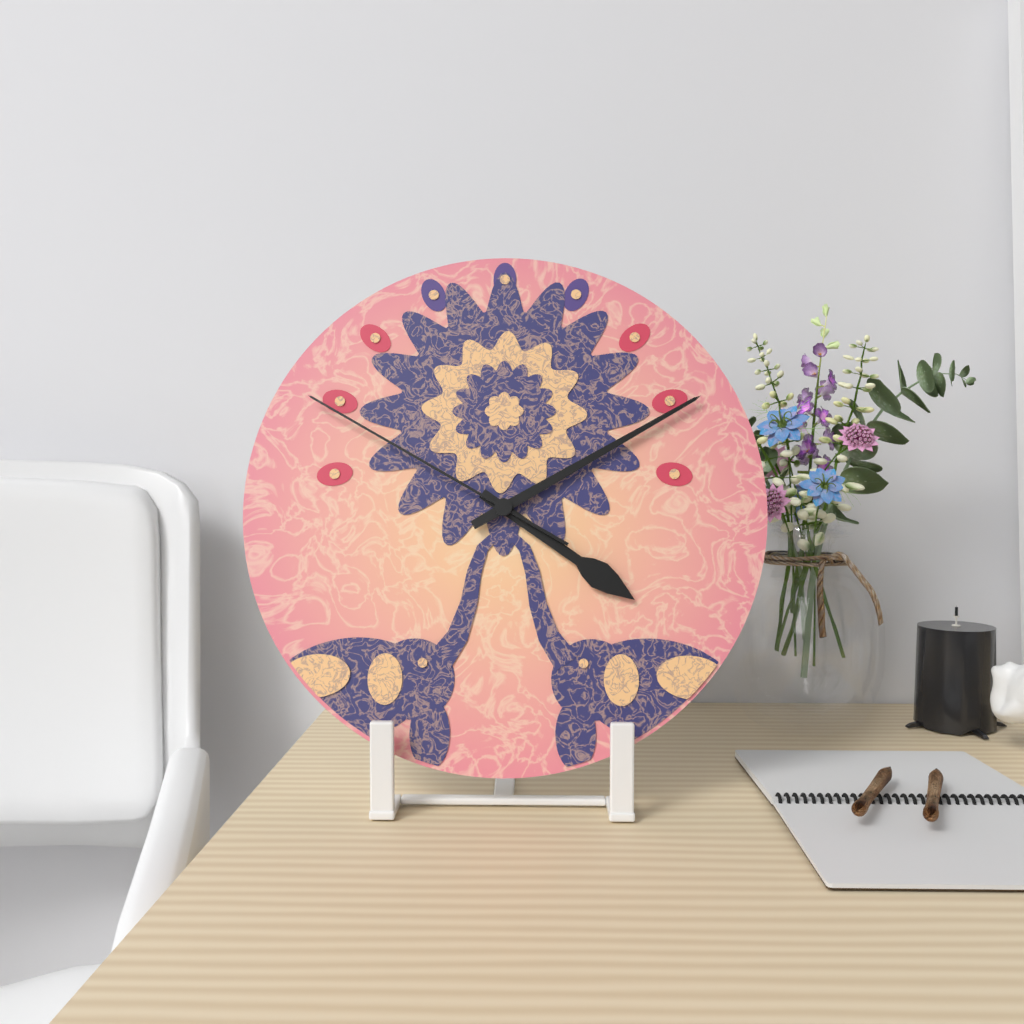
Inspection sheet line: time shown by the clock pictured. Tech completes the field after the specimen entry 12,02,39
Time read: 4,10,50
